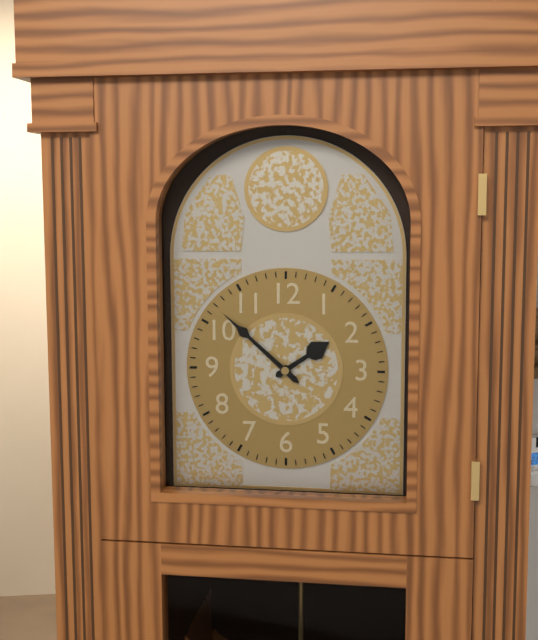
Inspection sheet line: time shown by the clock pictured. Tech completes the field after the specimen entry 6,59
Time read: 1,52
